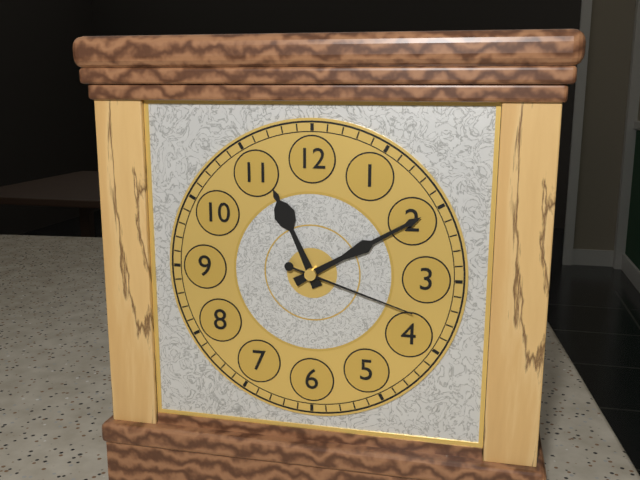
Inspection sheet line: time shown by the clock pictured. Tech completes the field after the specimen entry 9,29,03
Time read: 11,10,18
